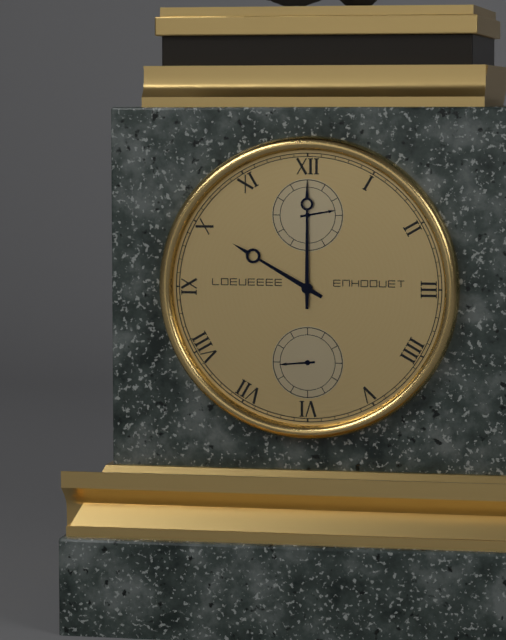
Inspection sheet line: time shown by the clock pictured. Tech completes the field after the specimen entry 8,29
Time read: 10,00
